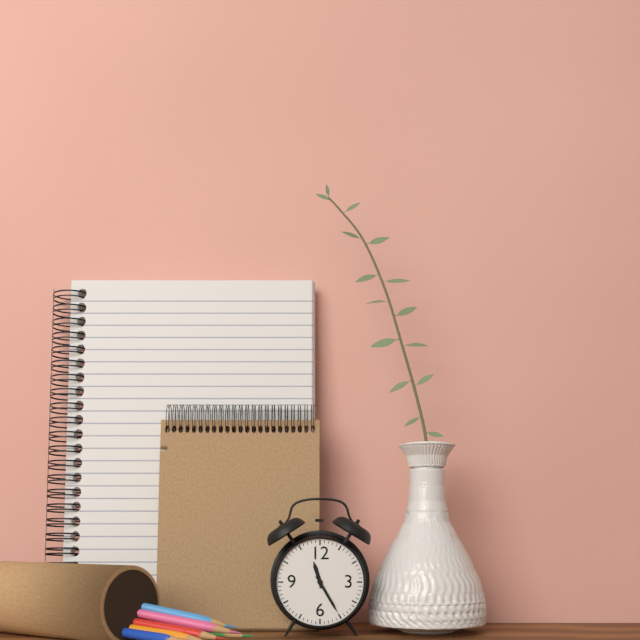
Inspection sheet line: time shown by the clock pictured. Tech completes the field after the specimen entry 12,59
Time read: 11,25
